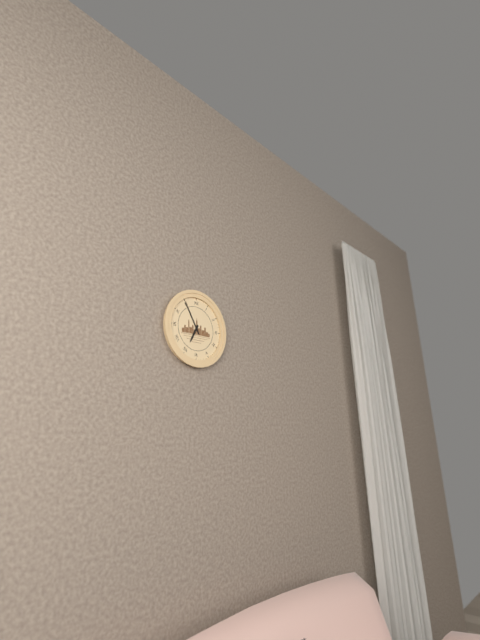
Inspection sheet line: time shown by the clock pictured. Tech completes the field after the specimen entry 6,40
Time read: 6,55
